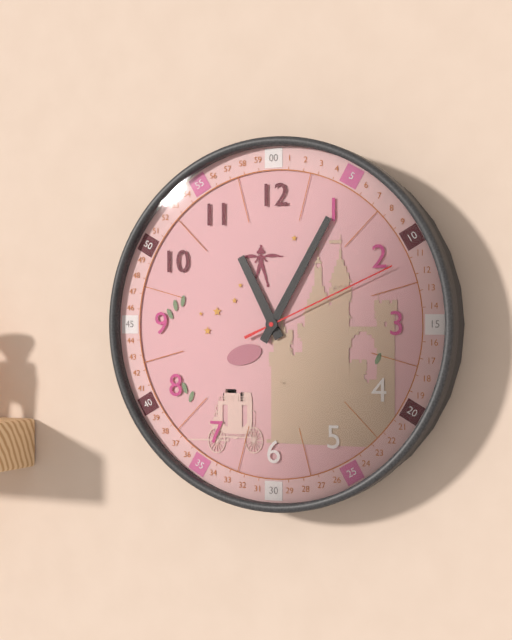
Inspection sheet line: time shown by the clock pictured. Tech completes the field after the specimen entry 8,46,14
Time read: 11,05,11
